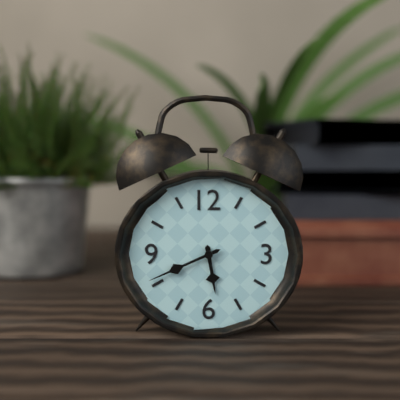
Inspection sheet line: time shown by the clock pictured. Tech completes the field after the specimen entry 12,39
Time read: 5,41
